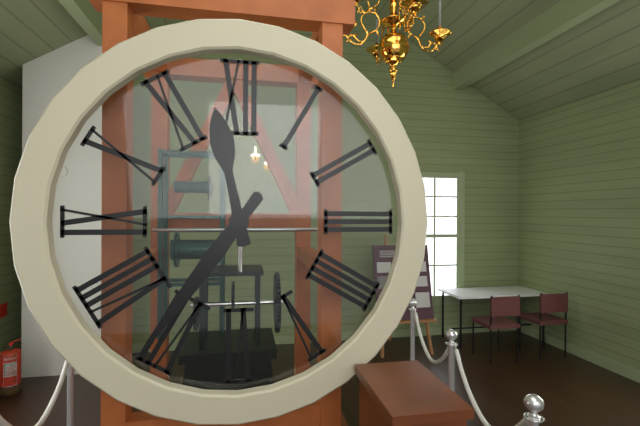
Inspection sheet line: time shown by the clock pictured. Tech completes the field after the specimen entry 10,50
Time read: 11,36
